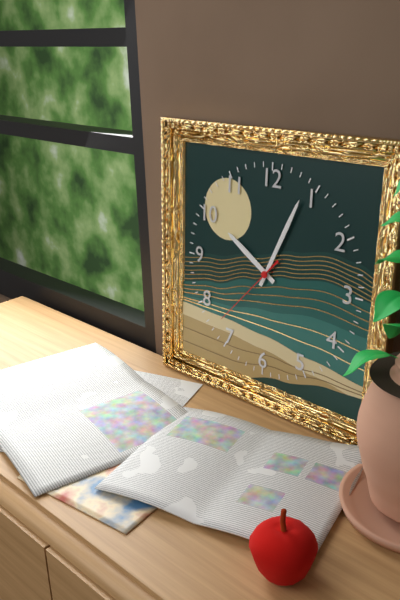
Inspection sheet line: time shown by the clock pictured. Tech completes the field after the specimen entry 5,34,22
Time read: 10,04,37
